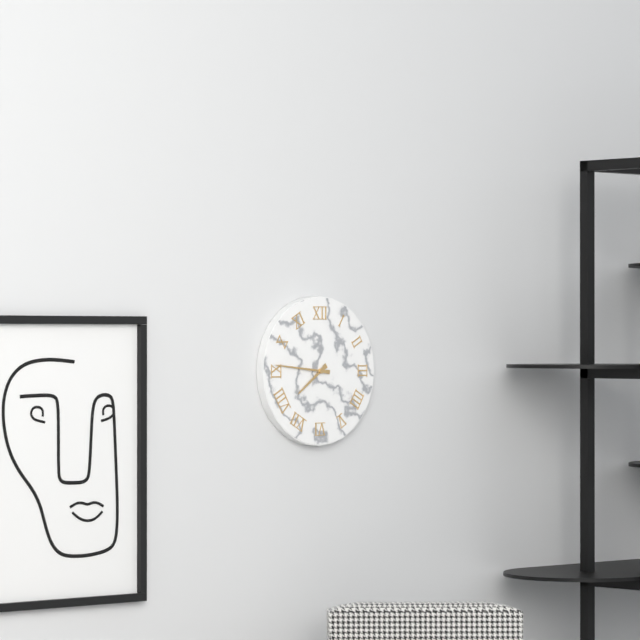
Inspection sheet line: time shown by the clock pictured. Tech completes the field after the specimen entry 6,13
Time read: 7,46
